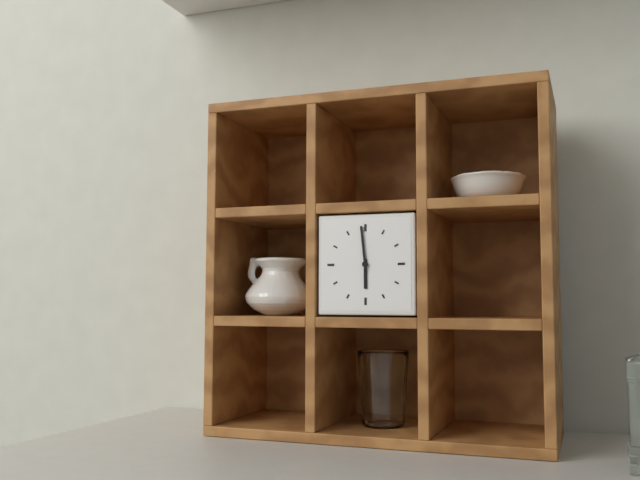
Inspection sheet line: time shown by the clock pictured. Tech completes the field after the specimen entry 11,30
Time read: 5,59
